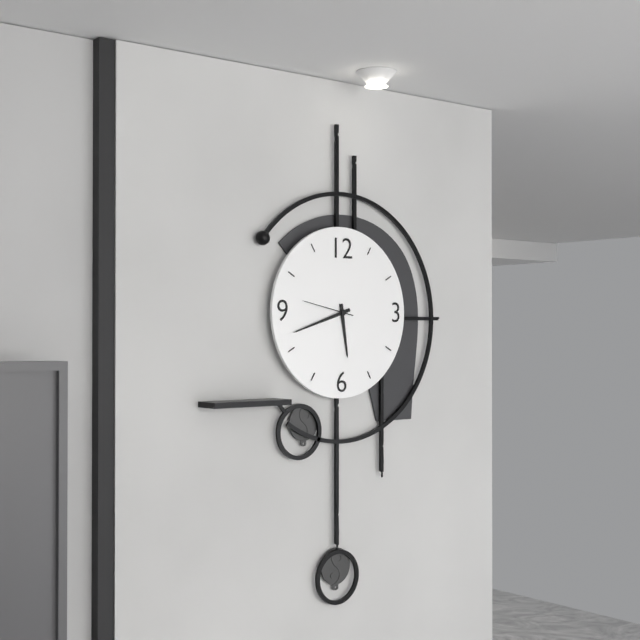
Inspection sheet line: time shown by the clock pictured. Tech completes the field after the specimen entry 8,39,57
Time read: 5,42,47
